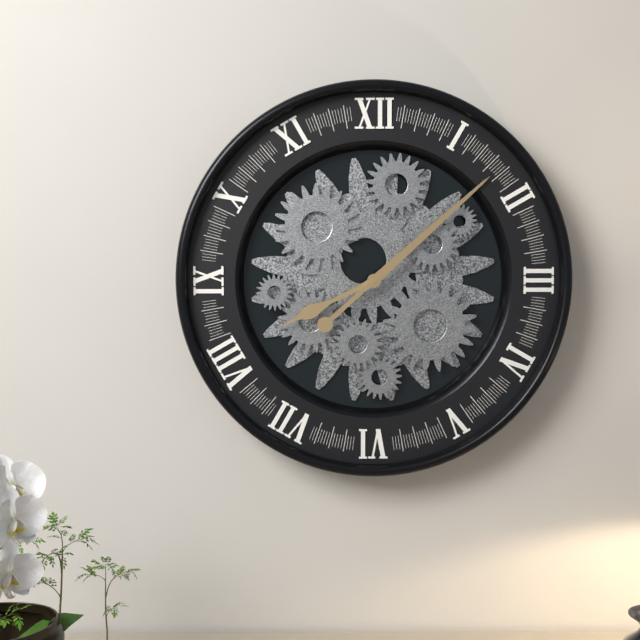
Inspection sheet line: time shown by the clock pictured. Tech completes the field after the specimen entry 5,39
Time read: 8,08
